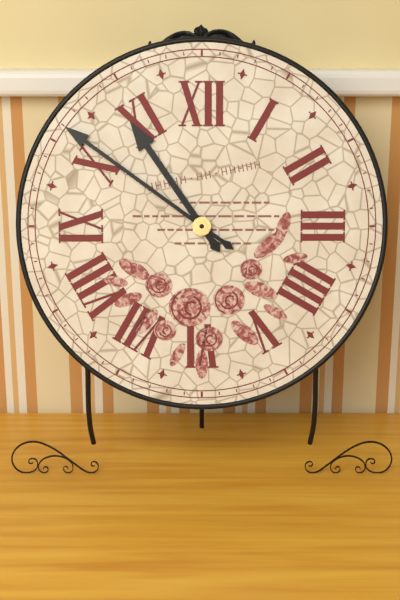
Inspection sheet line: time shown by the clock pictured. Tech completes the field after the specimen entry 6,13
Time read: 10,51
